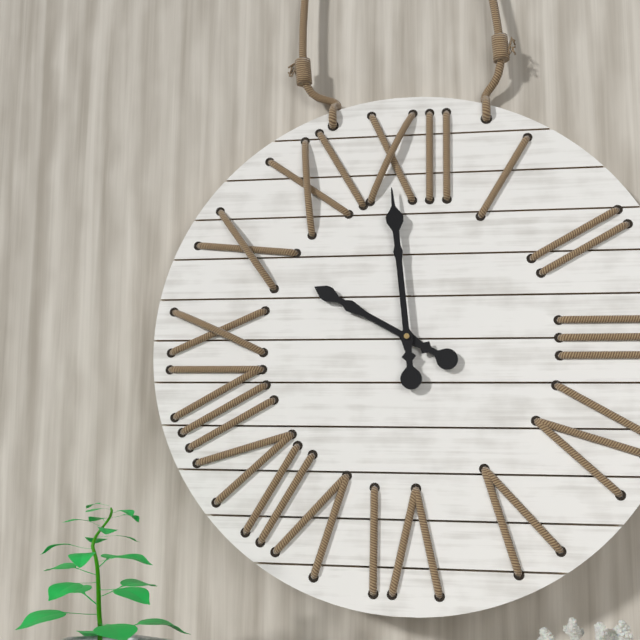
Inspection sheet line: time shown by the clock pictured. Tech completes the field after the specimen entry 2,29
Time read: 9,59
